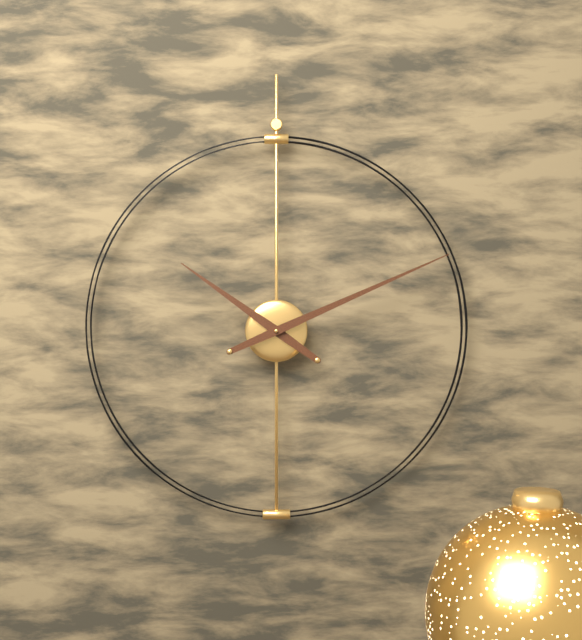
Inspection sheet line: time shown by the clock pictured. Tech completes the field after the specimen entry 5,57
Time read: 10,11
